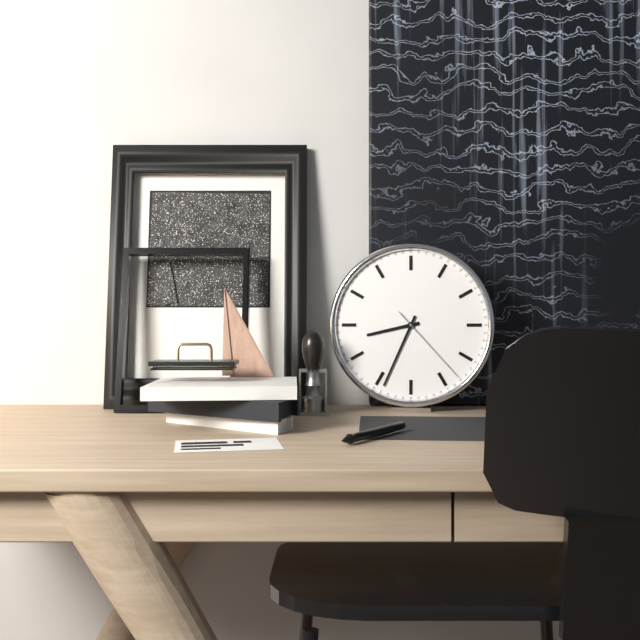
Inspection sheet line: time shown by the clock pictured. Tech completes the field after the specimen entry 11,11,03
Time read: 8,34,23
